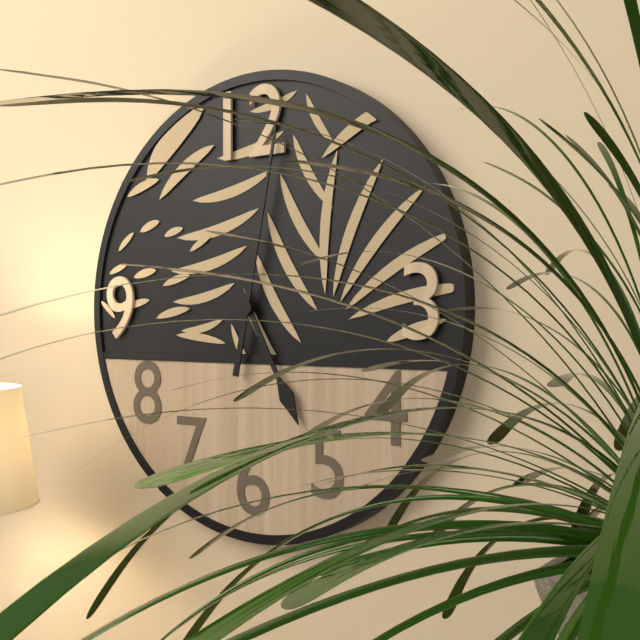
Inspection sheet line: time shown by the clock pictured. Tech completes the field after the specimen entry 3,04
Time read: 5,02
